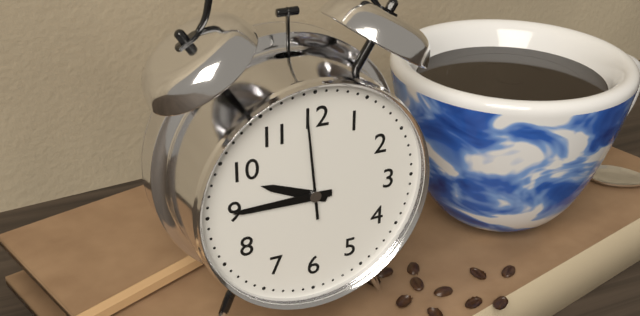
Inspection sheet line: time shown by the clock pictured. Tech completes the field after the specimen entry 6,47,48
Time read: 9,45,59
